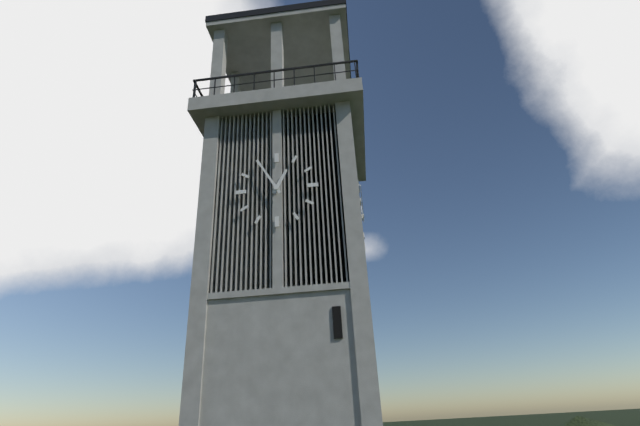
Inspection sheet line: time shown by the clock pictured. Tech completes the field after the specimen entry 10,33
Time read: 12,55
